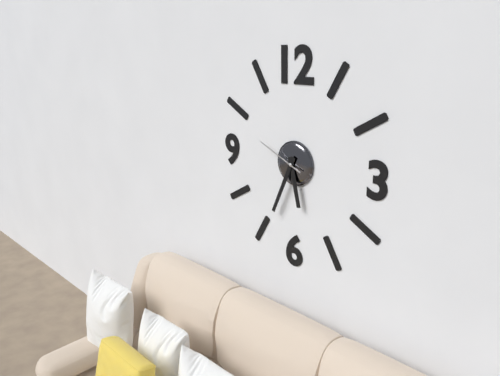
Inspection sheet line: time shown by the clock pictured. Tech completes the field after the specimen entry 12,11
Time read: 5,34
